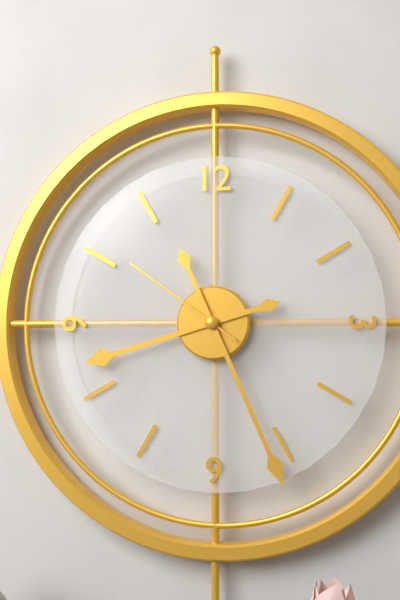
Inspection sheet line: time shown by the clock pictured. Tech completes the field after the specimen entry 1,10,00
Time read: 8,26,51
